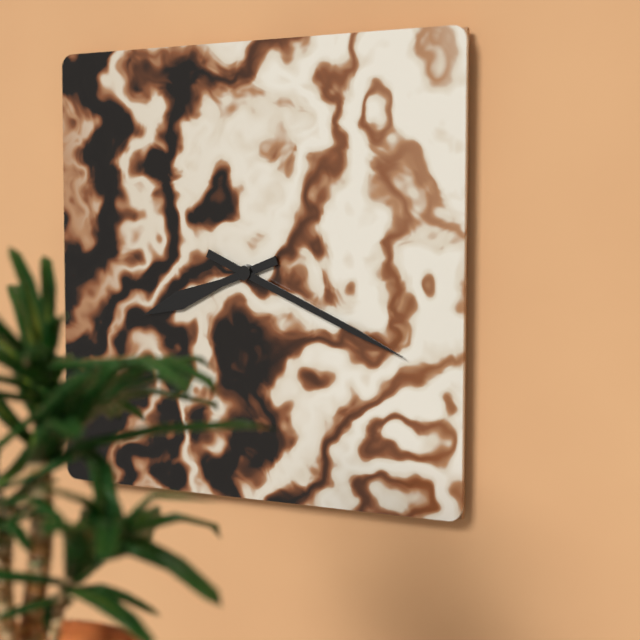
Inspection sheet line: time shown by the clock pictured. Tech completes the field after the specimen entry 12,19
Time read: 8,19
